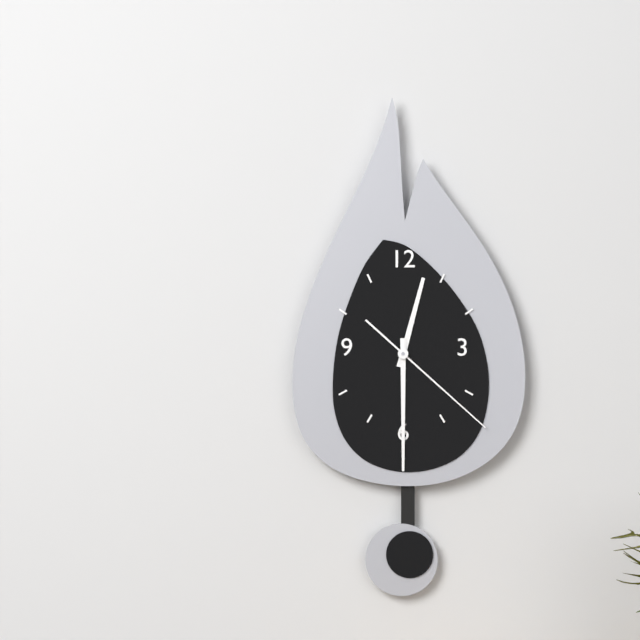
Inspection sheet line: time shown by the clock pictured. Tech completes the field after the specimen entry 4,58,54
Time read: 12,30,22
